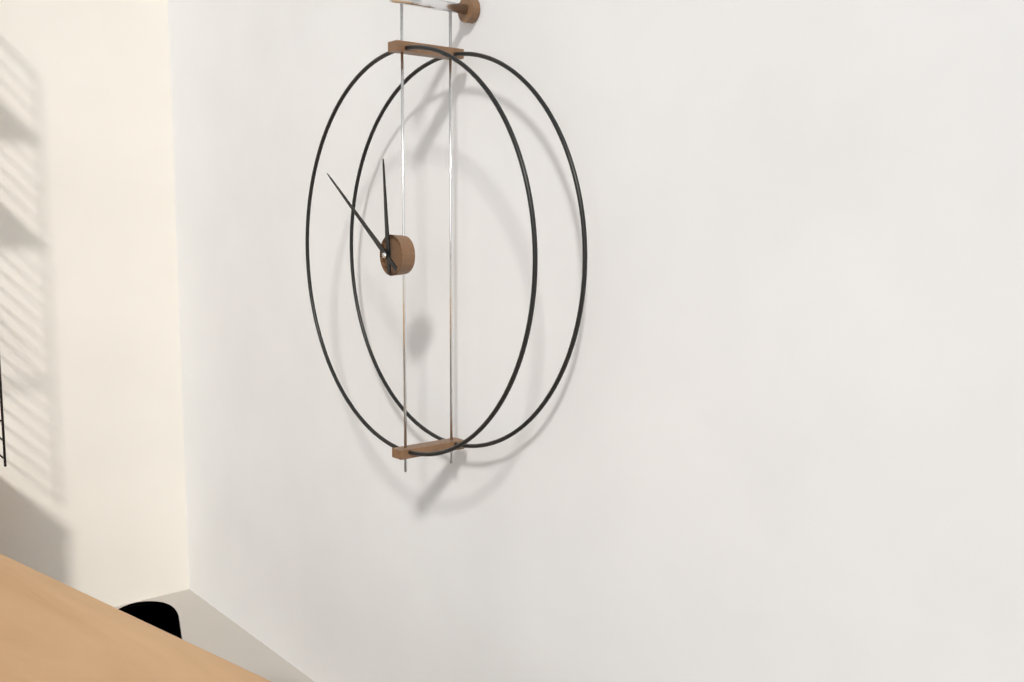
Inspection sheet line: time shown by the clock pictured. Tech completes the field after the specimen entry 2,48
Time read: 11,51
